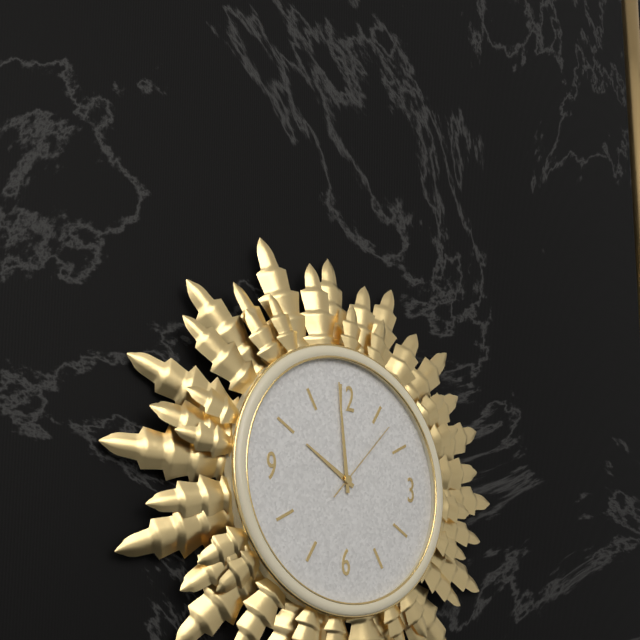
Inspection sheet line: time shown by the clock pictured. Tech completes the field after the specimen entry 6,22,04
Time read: 9,59,07
